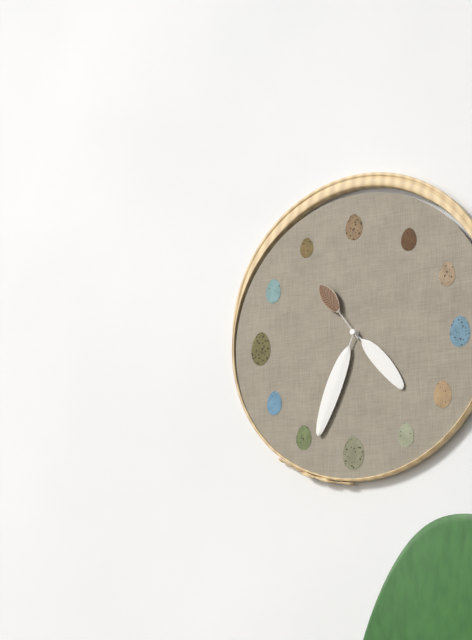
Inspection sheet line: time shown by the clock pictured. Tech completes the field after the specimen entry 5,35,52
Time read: 4,34,54
